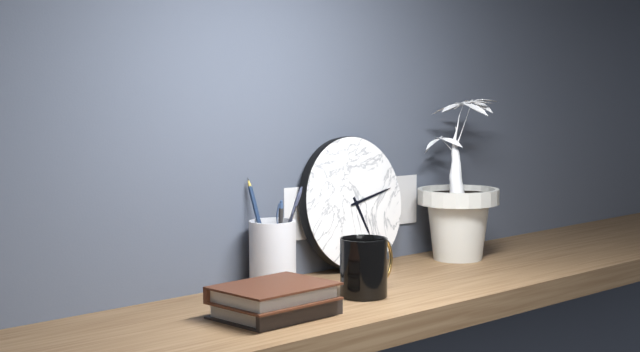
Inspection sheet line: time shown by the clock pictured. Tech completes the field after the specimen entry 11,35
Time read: 5,13
